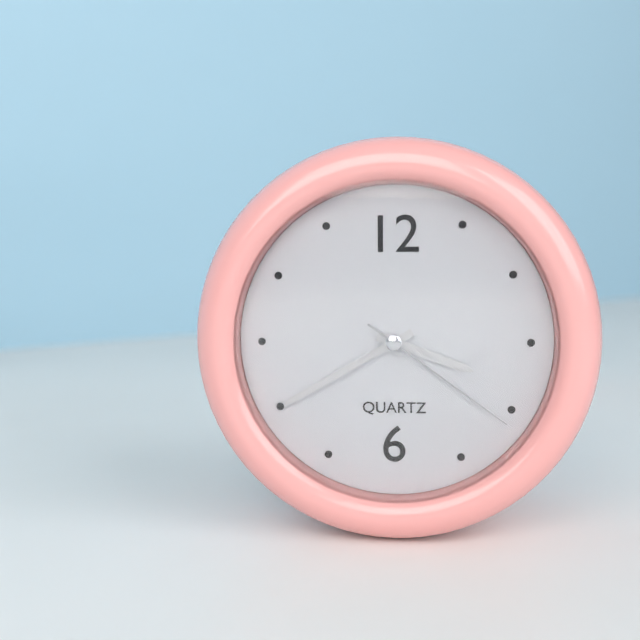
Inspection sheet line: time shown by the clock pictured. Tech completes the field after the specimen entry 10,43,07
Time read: 3,40,21
